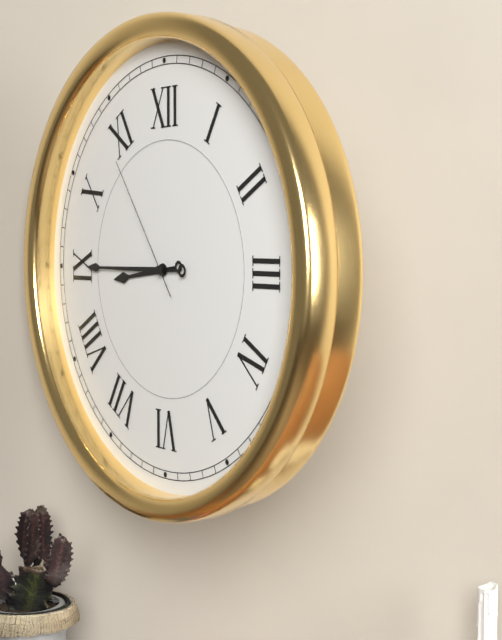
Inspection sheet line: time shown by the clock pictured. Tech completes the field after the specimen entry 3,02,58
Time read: 8,45,54
